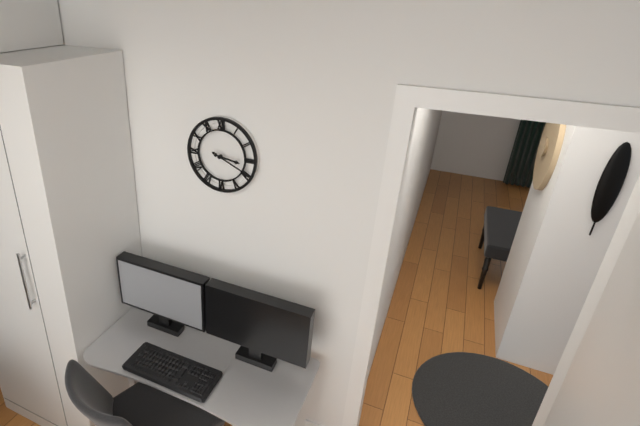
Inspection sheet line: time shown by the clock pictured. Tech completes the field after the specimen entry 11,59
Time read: 3,19
